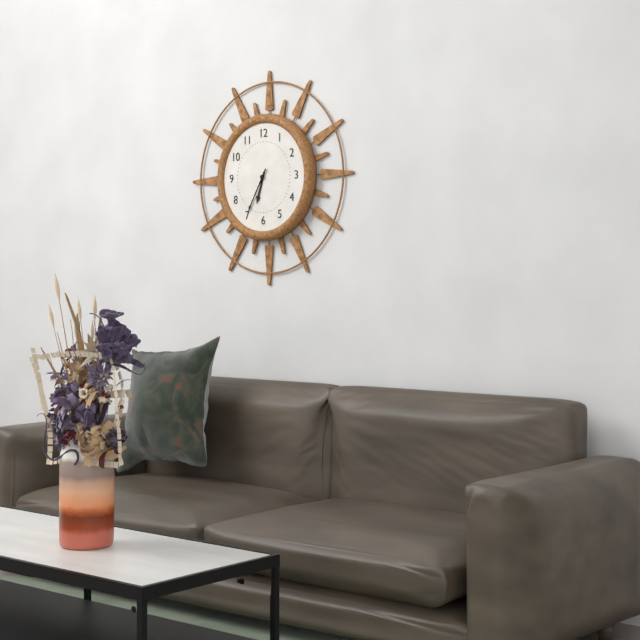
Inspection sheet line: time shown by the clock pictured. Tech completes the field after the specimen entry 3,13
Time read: 6,35
